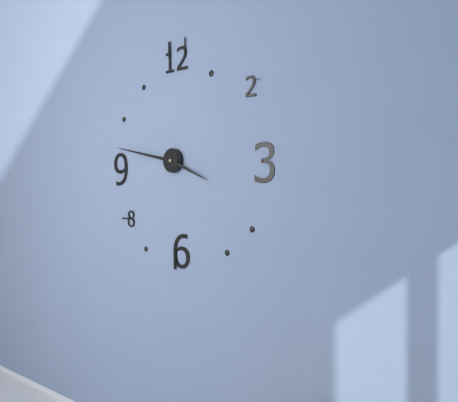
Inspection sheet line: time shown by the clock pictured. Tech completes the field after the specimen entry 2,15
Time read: 3,47
